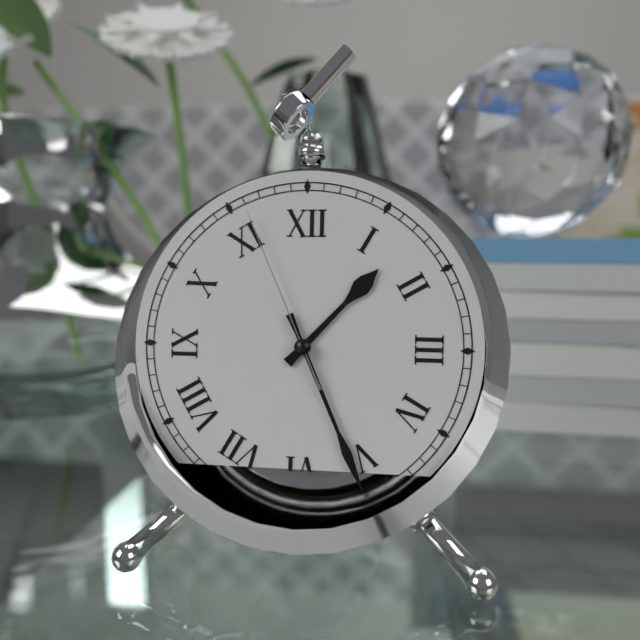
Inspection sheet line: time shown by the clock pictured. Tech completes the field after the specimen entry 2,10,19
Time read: 1,26,56
